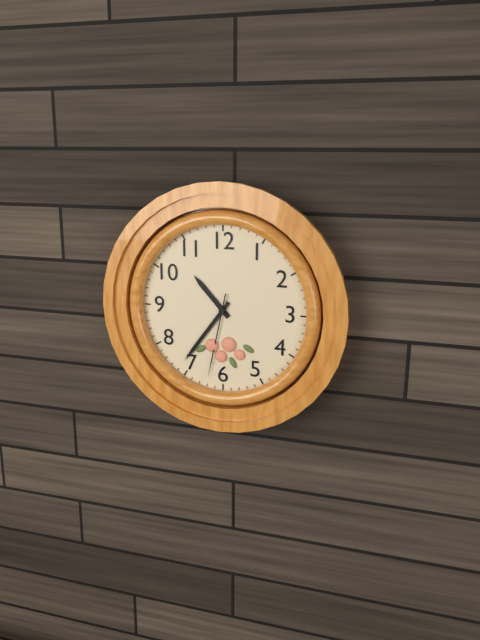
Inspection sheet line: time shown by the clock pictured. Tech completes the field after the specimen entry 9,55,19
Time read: 10,36,32
